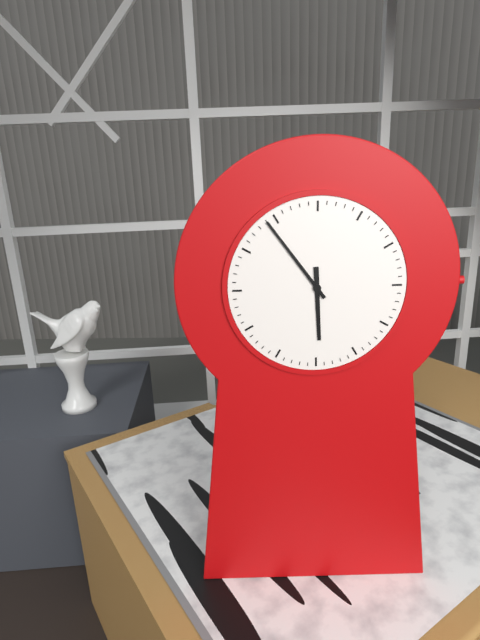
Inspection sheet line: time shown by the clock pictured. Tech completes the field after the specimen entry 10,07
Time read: 5,54
